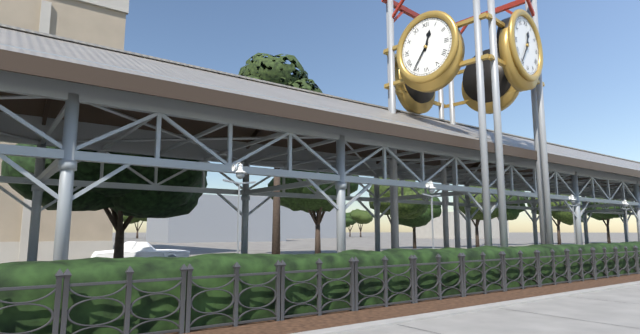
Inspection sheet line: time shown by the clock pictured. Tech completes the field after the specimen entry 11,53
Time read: 12,36
